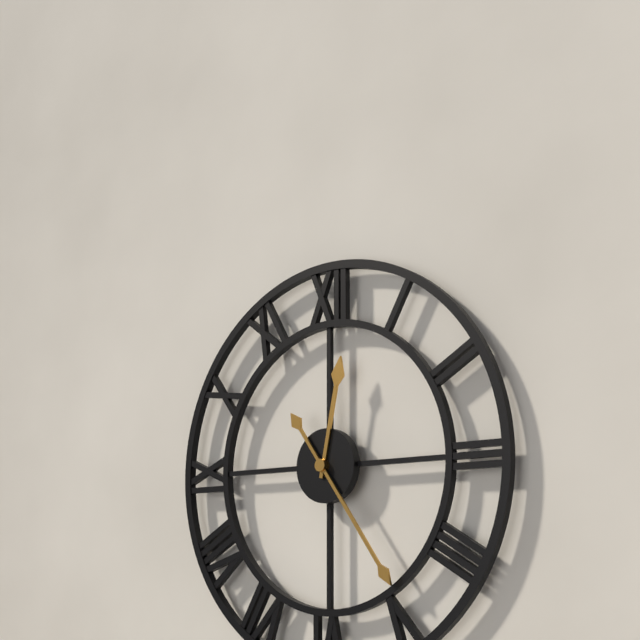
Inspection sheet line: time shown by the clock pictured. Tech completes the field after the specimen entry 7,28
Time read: 12,24
